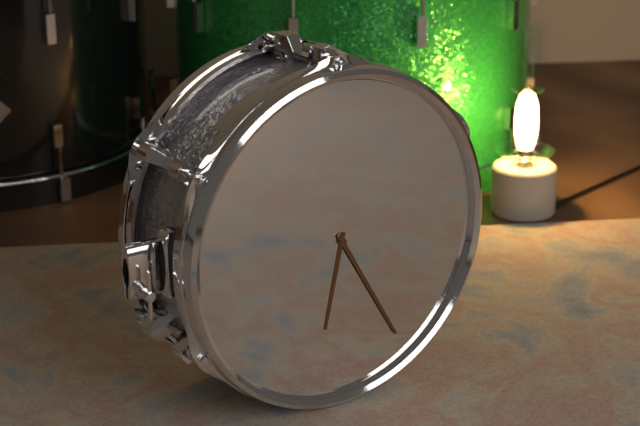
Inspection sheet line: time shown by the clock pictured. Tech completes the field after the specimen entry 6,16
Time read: 6,25
